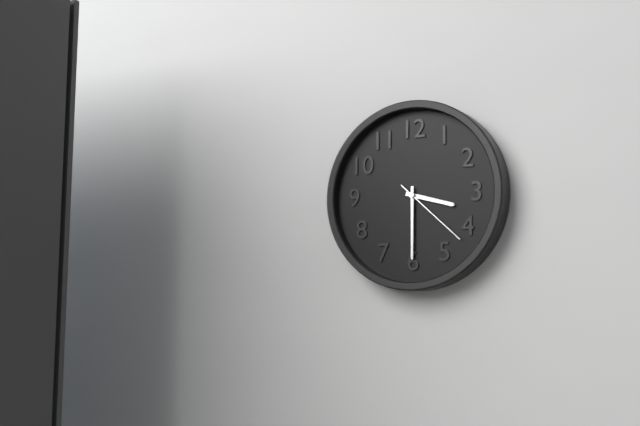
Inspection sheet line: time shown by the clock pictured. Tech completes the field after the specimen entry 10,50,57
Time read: 3,30,22
